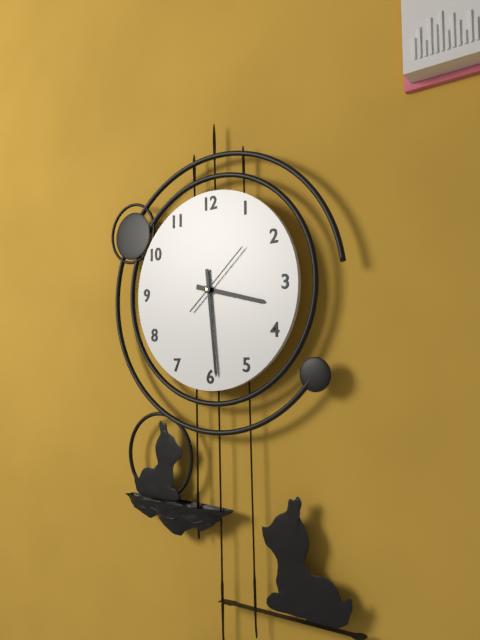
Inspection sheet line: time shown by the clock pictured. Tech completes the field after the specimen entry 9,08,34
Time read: 3,29,08
